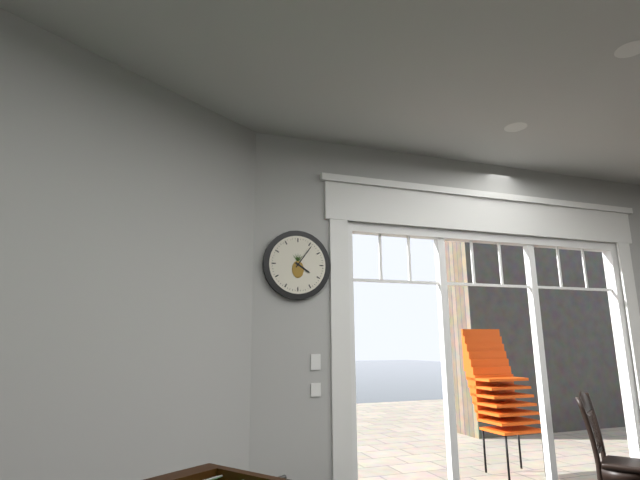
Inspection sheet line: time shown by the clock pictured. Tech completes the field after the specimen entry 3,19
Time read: 4,06
